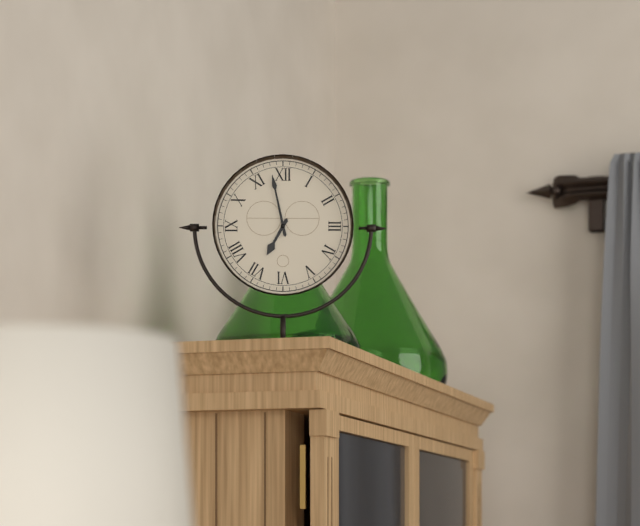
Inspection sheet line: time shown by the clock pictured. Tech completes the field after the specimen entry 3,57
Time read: 6,58
